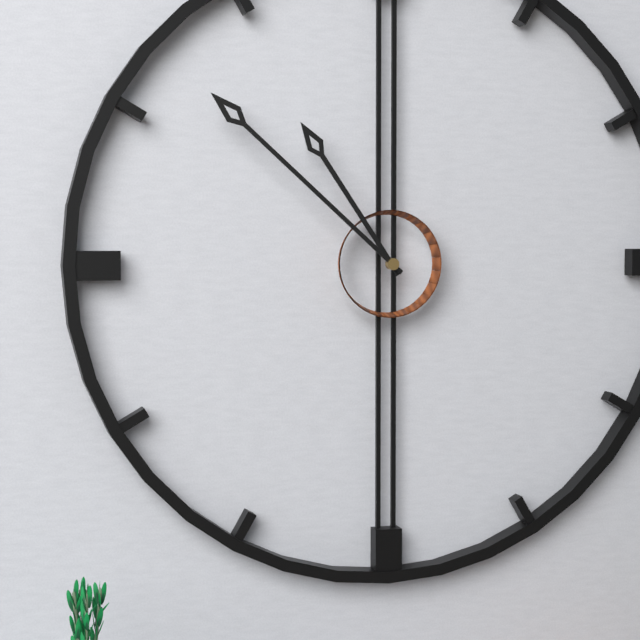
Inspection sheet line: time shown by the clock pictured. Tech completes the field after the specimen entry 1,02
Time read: 10,52
